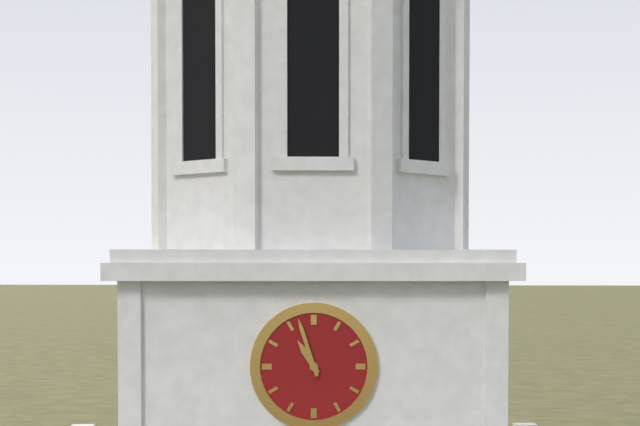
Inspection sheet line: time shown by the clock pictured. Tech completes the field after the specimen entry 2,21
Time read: 10,57
